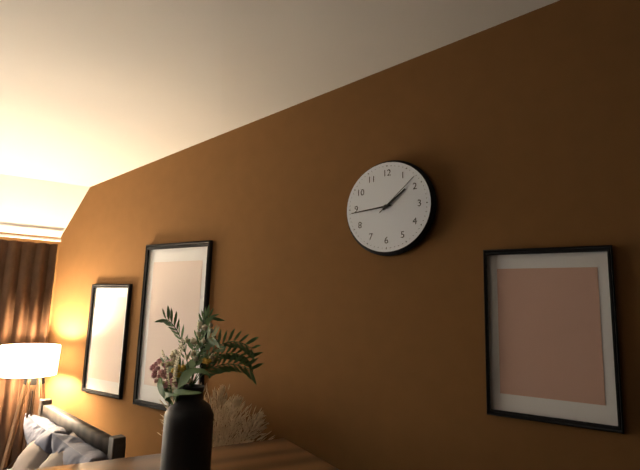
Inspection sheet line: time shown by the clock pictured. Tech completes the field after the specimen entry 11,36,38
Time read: 1,44,08
